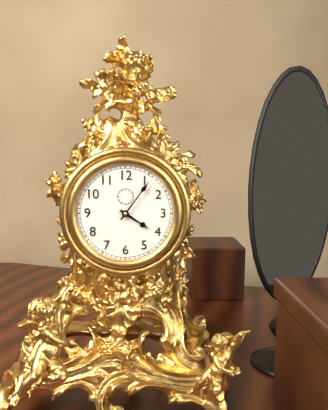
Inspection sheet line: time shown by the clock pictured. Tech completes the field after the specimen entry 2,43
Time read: 4,06
